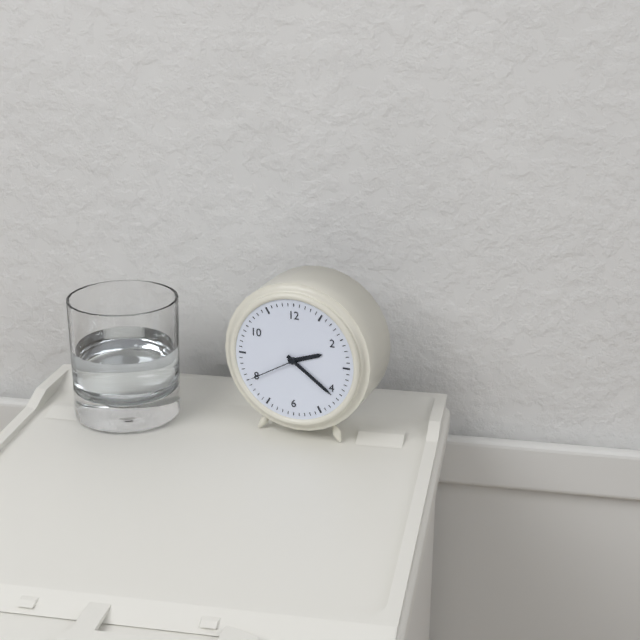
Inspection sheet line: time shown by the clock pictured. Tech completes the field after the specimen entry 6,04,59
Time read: 2,21,40
